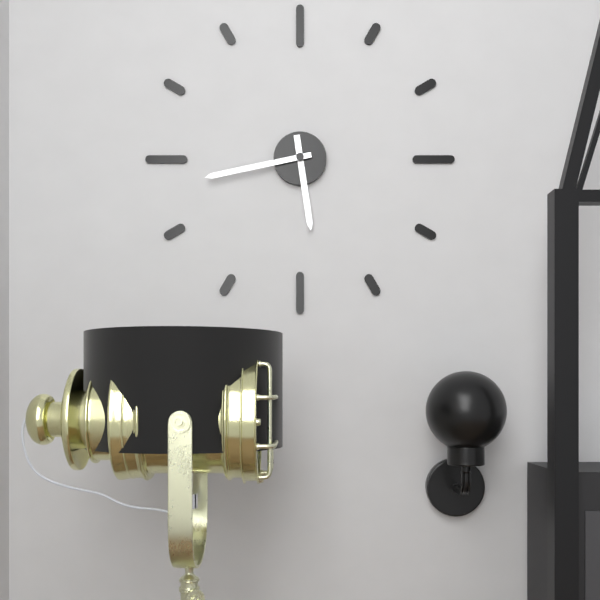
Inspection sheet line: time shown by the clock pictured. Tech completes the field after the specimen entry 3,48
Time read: 5,43
